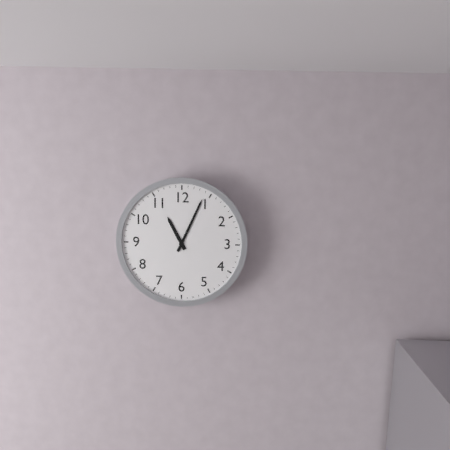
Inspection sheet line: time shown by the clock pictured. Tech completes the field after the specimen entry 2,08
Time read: 11,04
